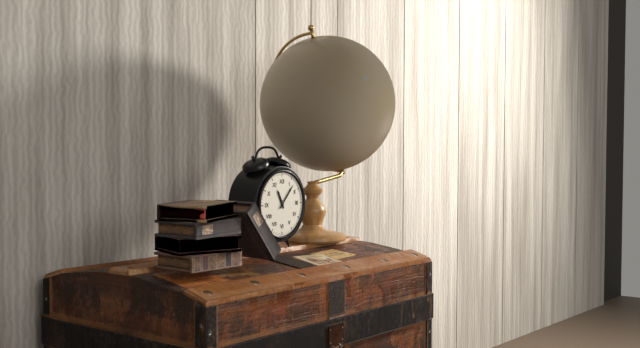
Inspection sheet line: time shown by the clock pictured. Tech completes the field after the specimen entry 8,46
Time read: 11,07
